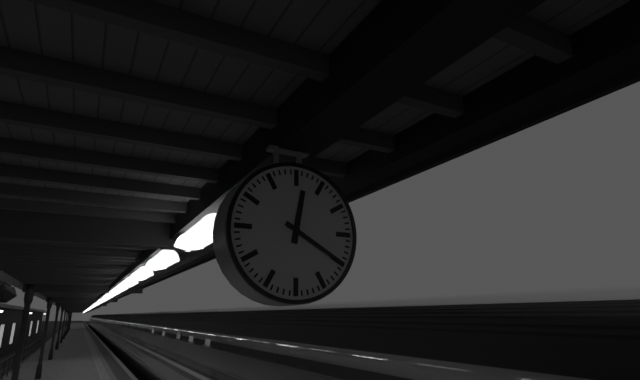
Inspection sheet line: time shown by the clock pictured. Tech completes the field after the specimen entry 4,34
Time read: 12,20
